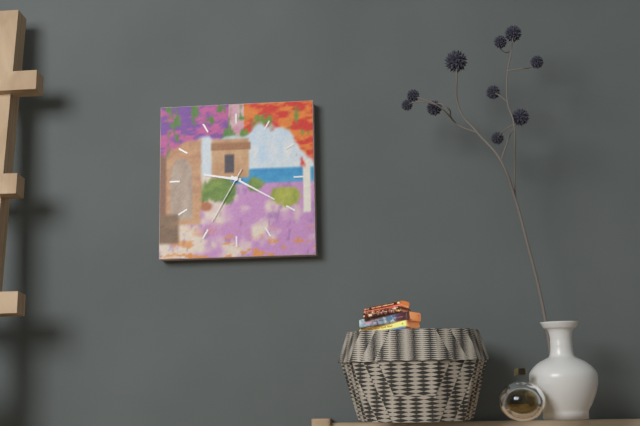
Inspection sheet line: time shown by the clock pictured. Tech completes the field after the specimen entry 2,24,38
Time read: 9,20,35
